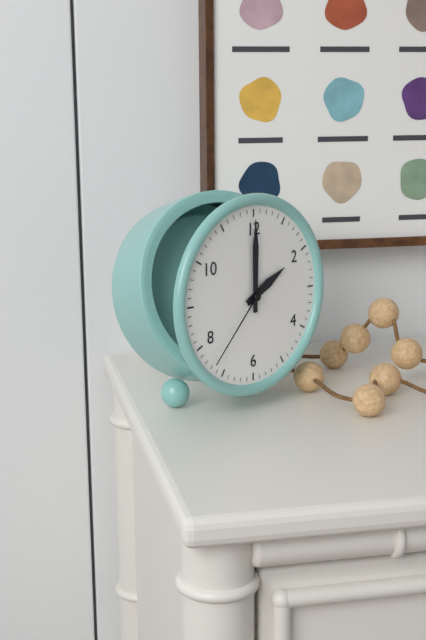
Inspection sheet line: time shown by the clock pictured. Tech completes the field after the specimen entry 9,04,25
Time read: 2,00,37
